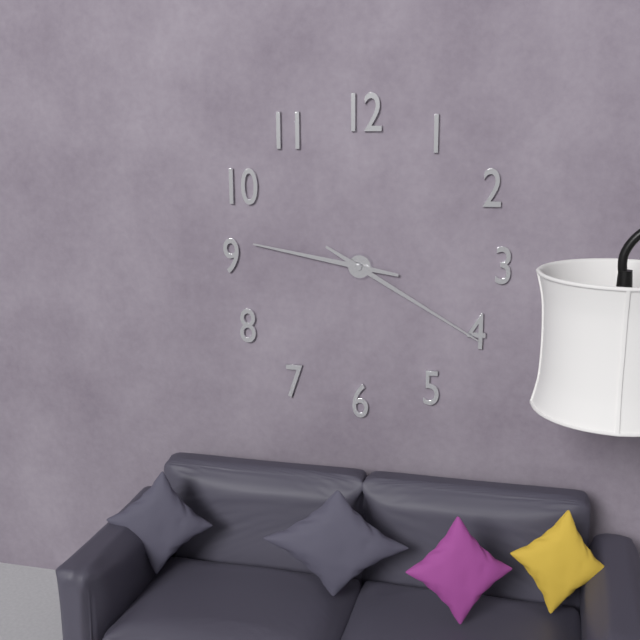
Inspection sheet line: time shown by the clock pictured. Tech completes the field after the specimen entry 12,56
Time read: 9,20
